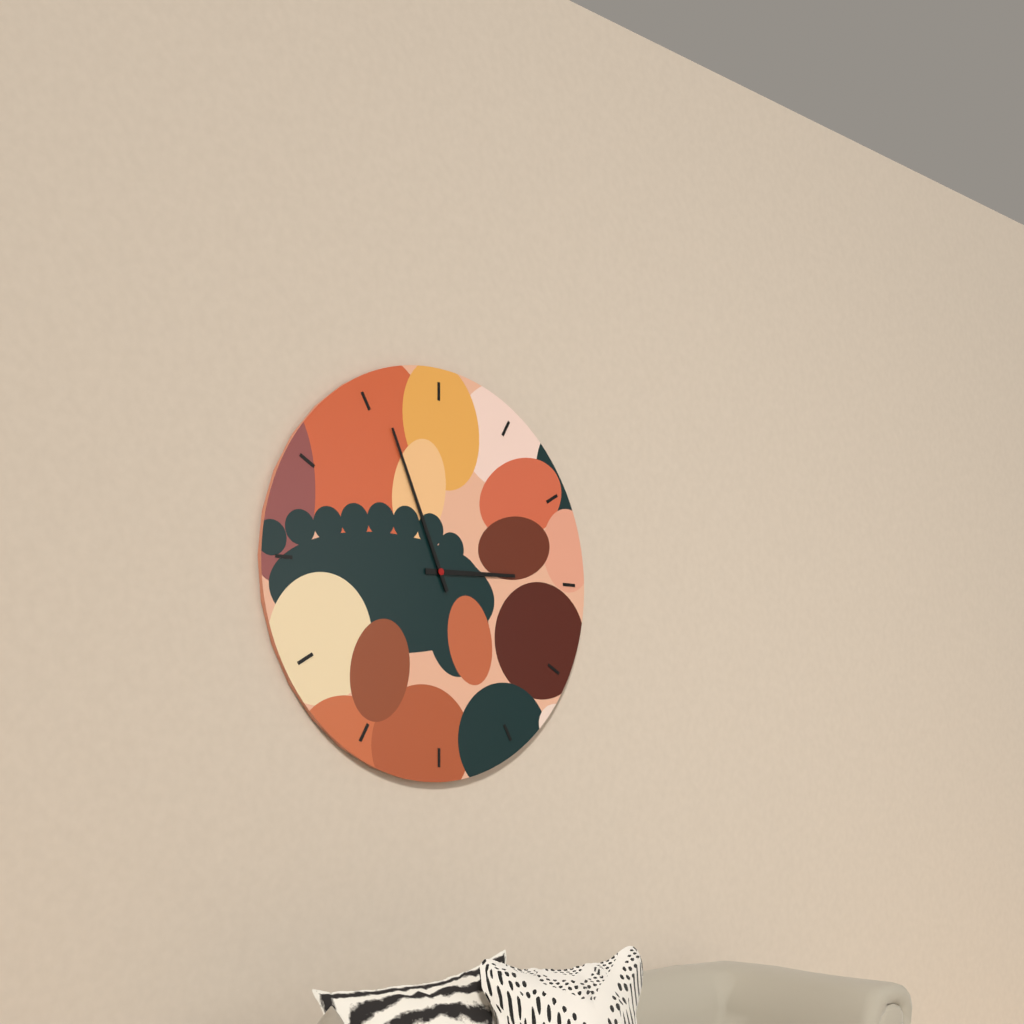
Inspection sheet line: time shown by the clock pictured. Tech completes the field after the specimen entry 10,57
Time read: 2,56
